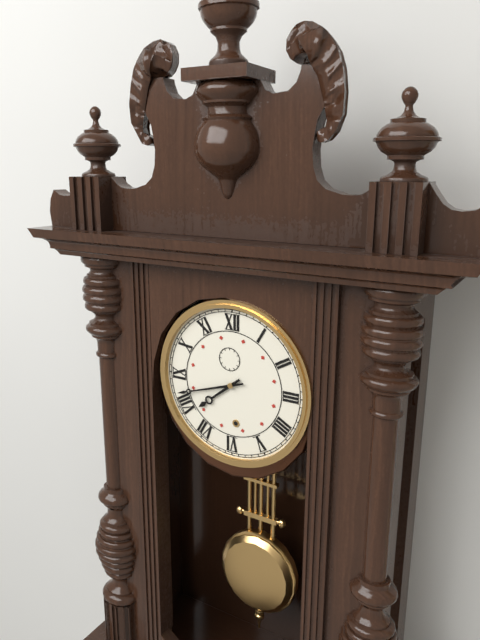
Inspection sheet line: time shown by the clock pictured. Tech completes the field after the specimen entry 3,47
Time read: 7,42
